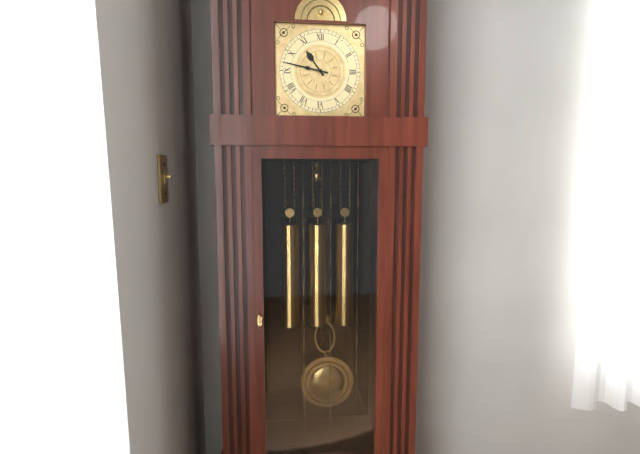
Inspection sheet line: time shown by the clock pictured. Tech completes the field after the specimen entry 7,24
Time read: 10,47
